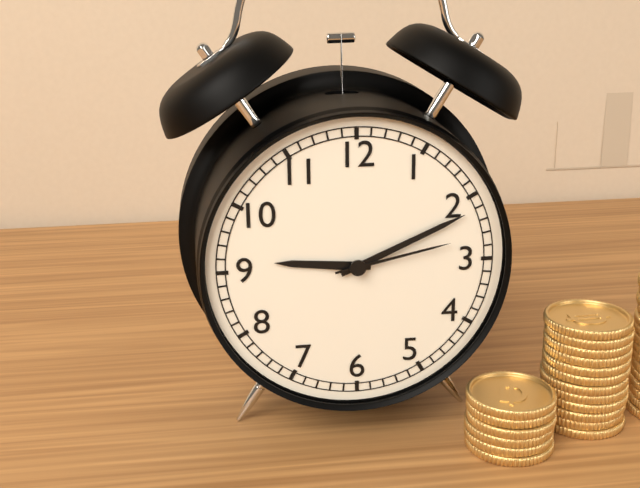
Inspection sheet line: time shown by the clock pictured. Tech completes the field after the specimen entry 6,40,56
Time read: 9,11,13
